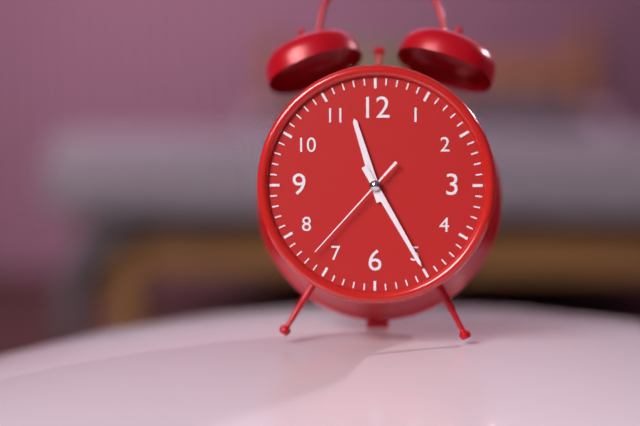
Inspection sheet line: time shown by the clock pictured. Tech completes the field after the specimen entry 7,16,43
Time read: 11,25,37
